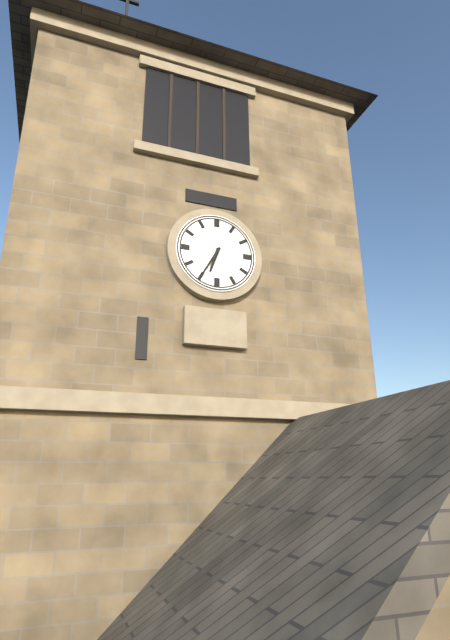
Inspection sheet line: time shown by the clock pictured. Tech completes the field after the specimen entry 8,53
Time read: 6,35
